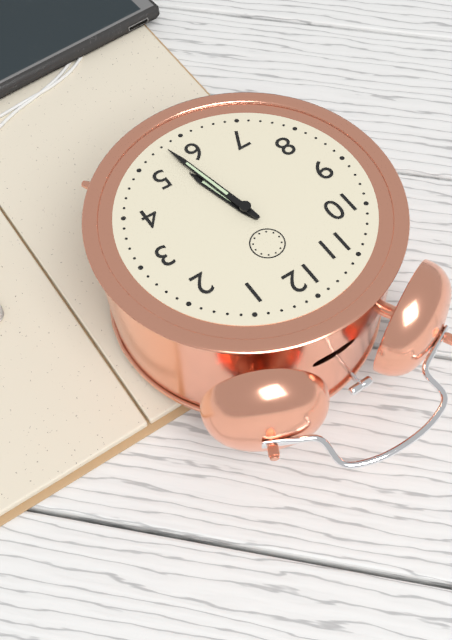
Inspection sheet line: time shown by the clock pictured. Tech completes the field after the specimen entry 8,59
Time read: 5,28
